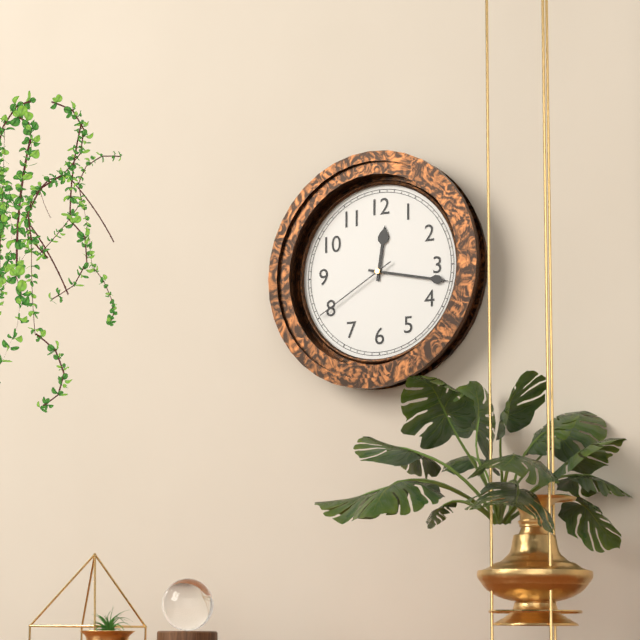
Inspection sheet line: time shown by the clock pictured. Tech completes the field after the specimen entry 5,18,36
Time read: 12,17,40
